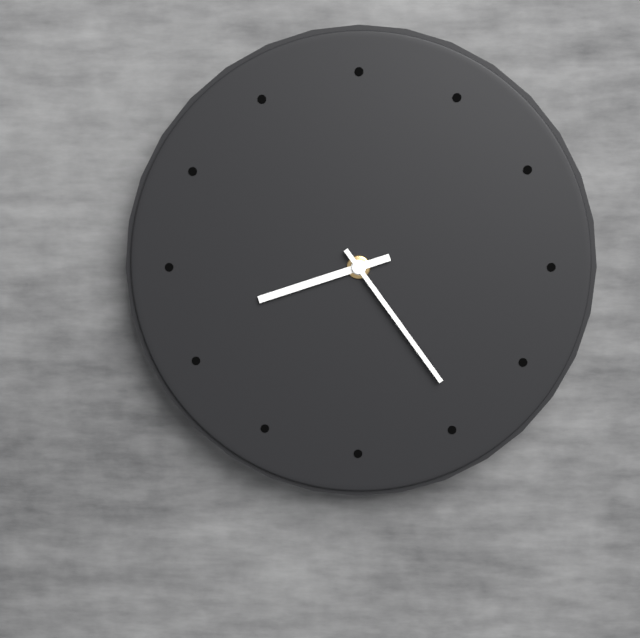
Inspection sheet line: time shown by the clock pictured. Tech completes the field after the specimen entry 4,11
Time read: 8,24
